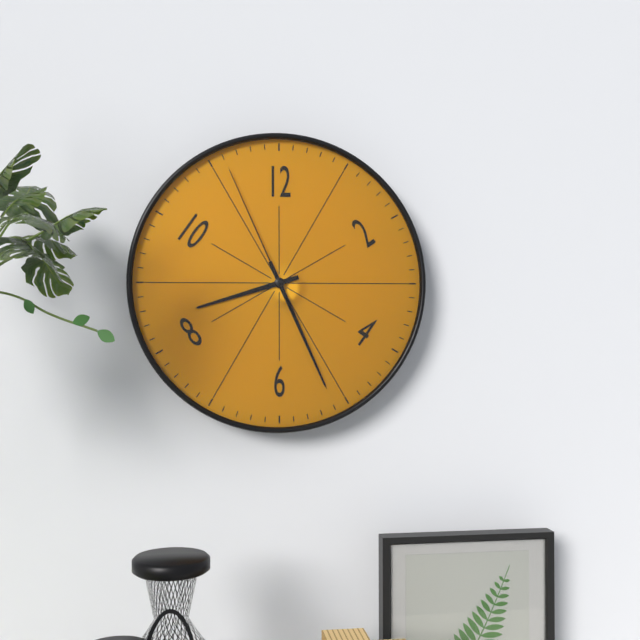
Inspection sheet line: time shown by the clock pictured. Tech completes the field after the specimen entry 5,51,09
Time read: 8,26,56
